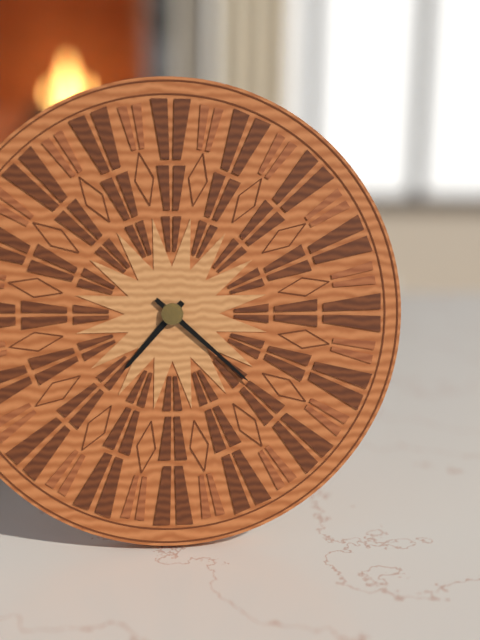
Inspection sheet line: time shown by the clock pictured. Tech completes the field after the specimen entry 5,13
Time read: 7,22
